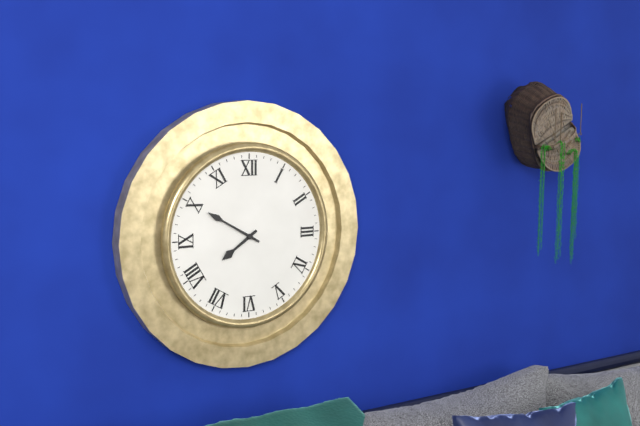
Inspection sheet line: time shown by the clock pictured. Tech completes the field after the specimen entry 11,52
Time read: 7,50
